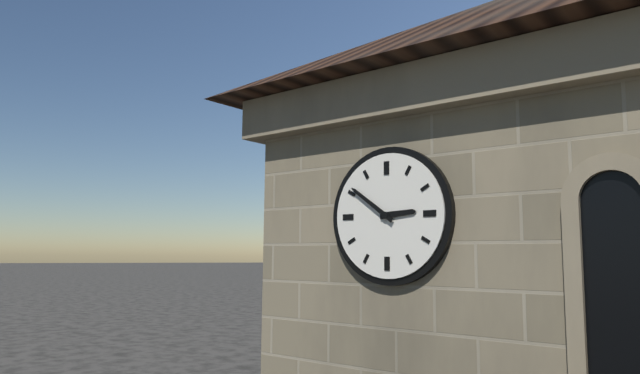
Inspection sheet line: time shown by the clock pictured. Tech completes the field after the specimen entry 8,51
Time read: 2,51
